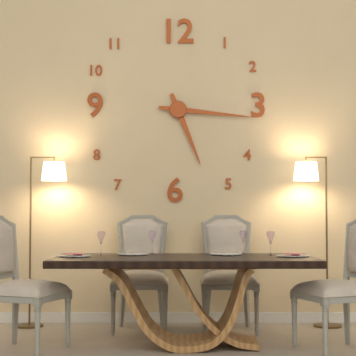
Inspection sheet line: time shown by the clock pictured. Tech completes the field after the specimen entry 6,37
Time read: 5,16
